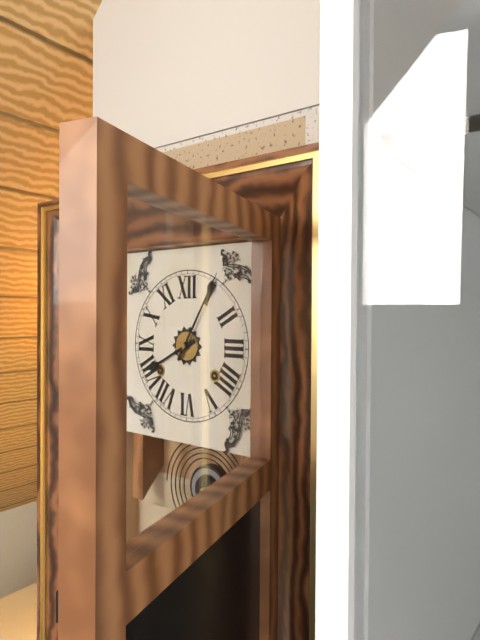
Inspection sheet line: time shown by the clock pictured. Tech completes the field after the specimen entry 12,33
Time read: 8,05
